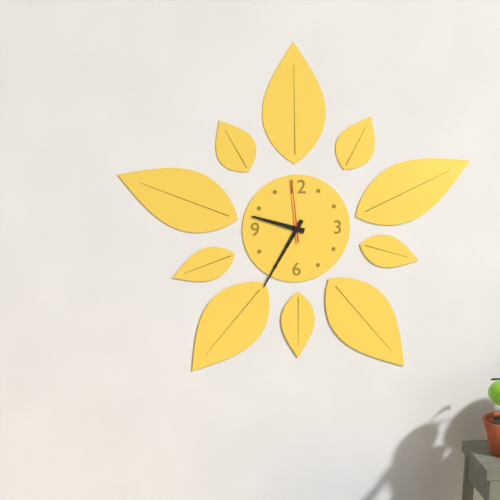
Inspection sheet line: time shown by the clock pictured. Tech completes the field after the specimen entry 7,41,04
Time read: 9,35,59
